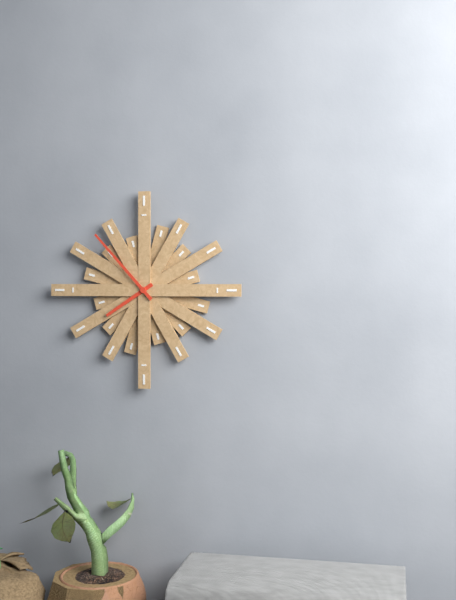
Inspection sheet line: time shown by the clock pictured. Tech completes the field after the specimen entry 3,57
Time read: 7,53
